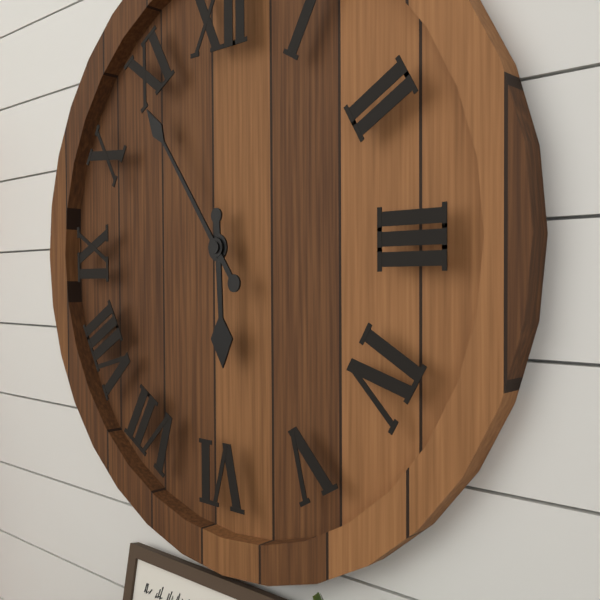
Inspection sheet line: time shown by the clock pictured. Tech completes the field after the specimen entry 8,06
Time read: 5,54
